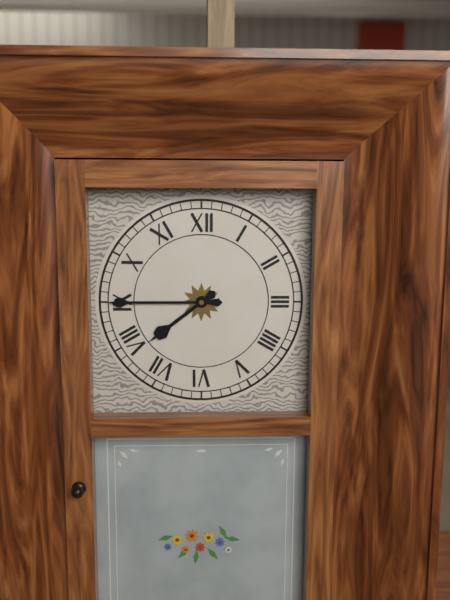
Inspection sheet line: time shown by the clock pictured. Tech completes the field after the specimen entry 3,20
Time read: 7,45
